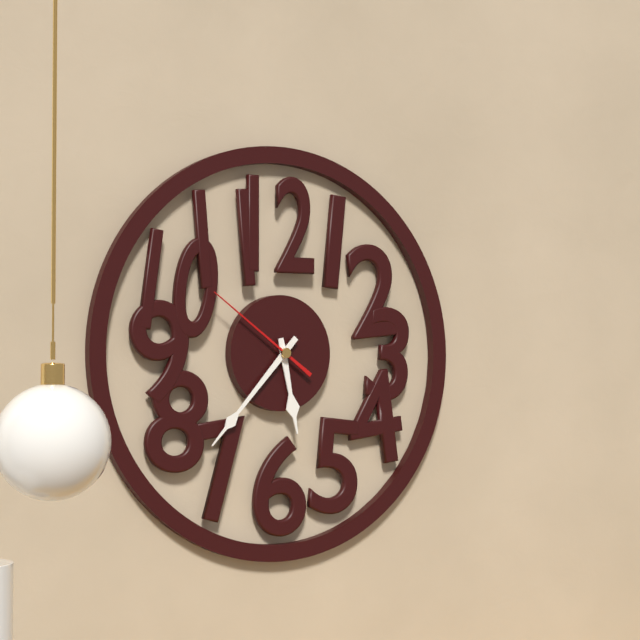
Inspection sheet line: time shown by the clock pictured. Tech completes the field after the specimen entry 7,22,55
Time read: 5,37,51
